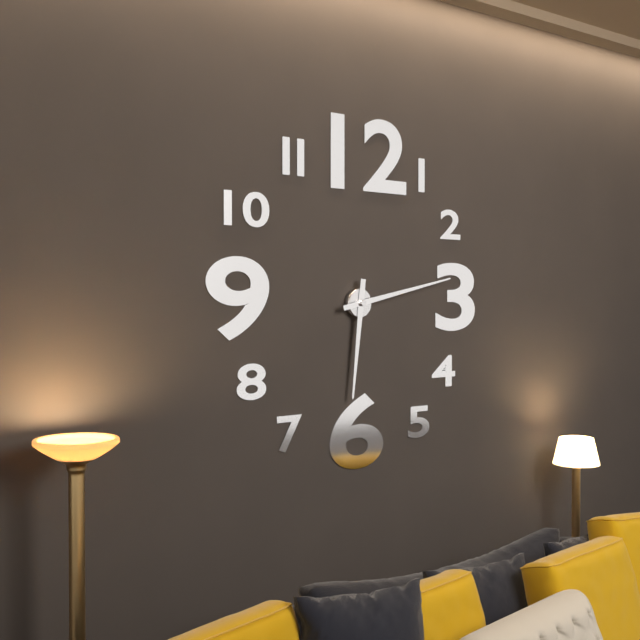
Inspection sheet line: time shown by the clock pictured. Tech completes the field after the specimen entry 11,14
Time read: 6,13
